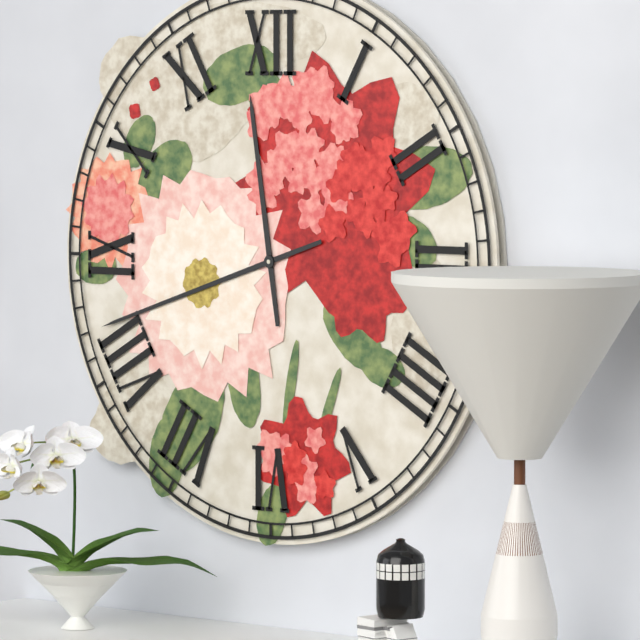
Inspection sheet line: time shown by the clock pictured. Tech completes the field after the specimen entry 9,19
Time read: 11,42
